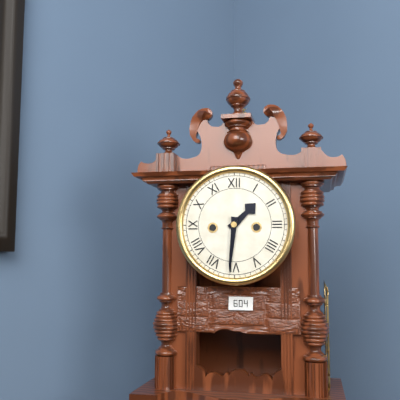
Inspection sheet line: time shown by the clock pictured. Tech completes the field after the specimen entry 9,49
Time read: 1,31
